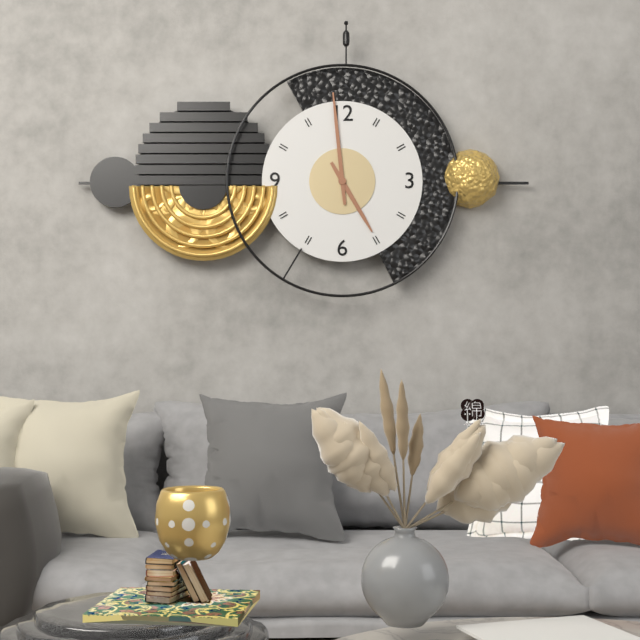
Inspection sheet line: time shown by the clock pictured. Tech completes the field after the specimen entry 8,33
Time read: 4,59
